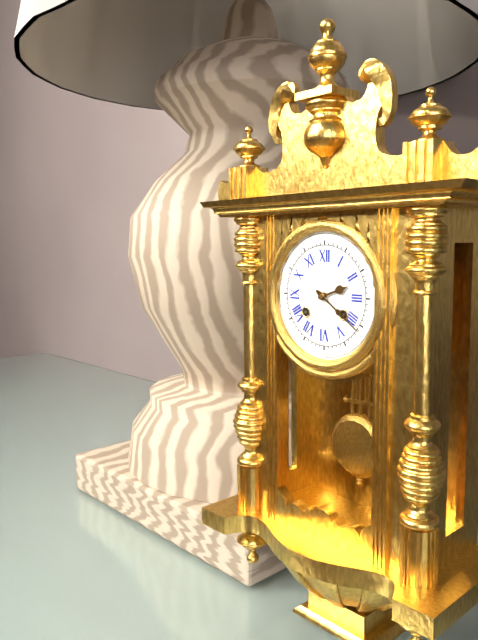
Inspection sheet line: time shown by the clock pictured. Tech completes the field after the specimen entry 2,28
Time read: 2,21
